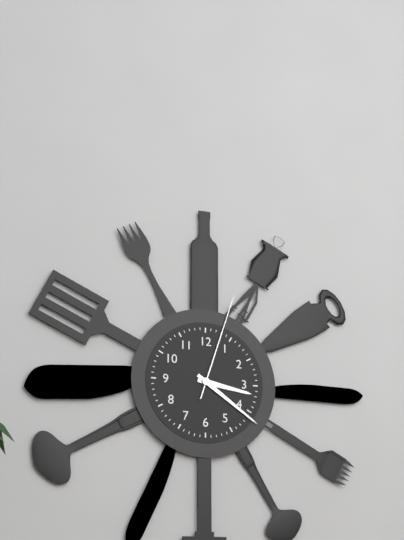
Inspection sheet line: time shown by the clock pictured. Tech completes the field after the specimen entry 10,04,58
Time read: 3,21,03
